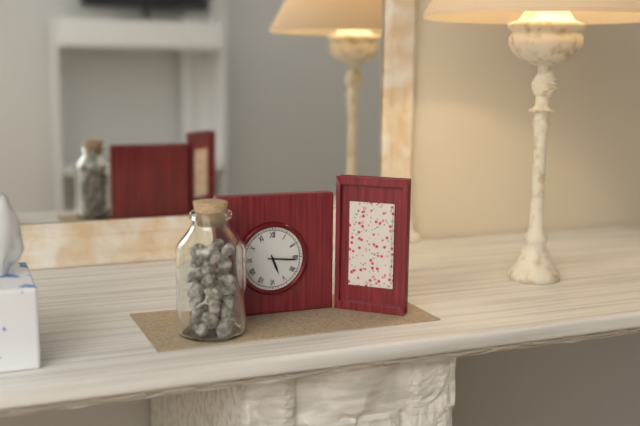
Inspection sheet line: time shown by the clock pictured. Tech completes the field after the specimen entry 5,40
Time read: 5,16
